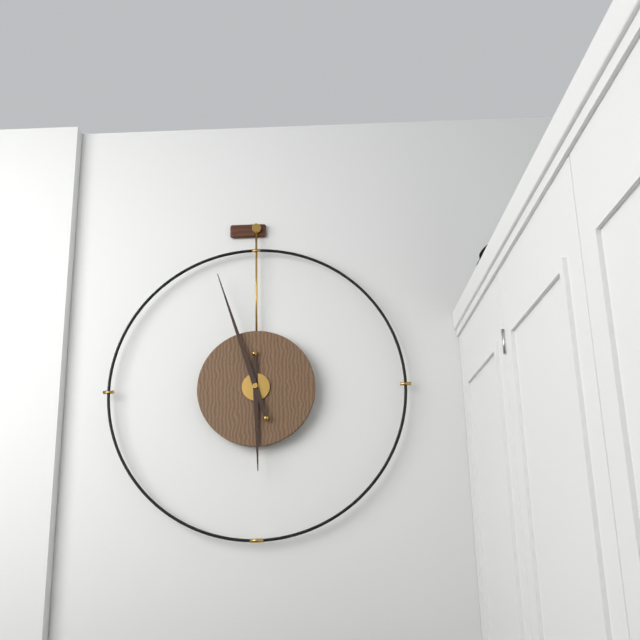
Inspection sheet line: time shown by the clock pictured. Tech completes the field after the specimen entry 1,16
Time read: 5,57
